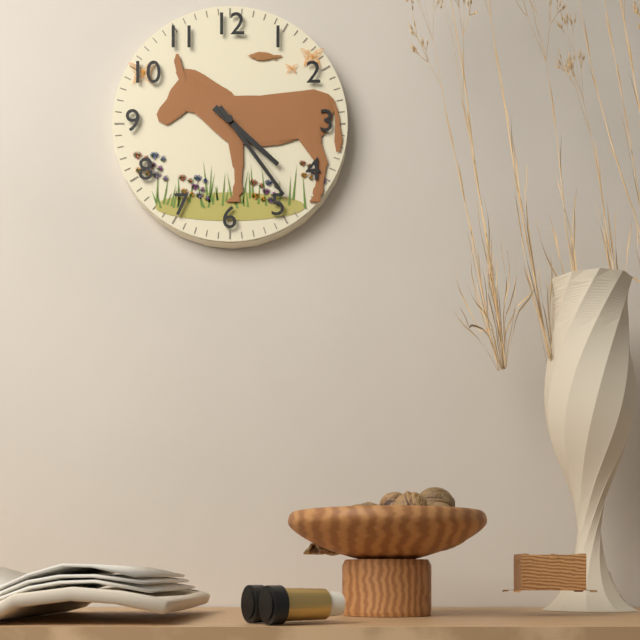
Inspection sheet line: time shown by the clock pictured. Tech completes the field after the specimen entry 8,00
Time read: 4,24
